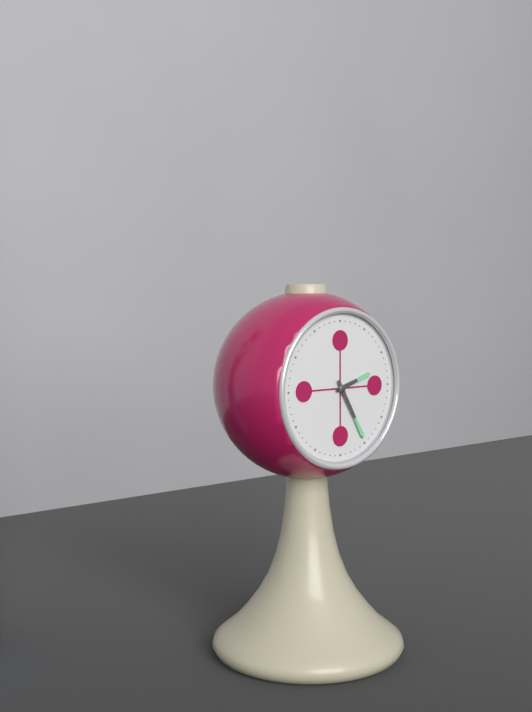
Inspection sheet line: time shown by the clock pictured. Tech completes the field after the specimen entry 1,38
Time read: 2,25
